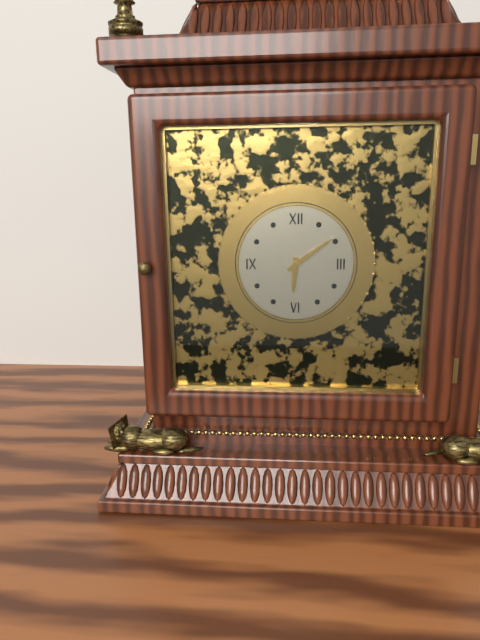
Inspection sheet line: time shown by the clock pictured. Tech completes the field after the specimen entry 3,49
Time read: 6,09
